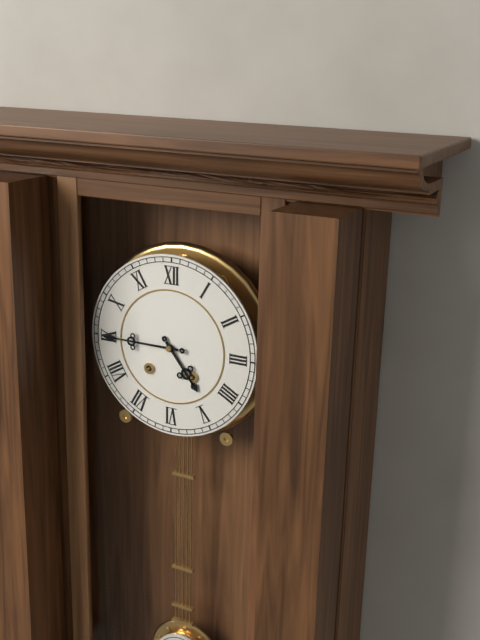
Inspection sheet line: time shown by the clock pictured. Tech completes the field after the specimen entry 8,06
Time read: 4,45
